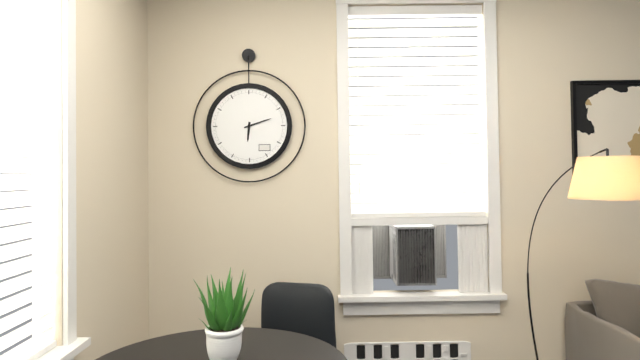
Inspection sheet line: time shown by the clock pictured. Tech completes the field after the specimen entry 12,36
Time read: 6,12
